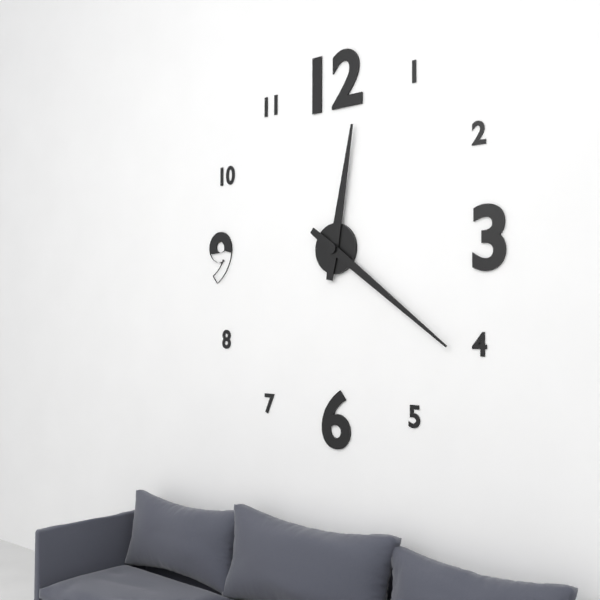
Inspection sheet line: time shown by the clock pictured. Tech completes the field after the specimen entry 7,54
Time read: 12,21
